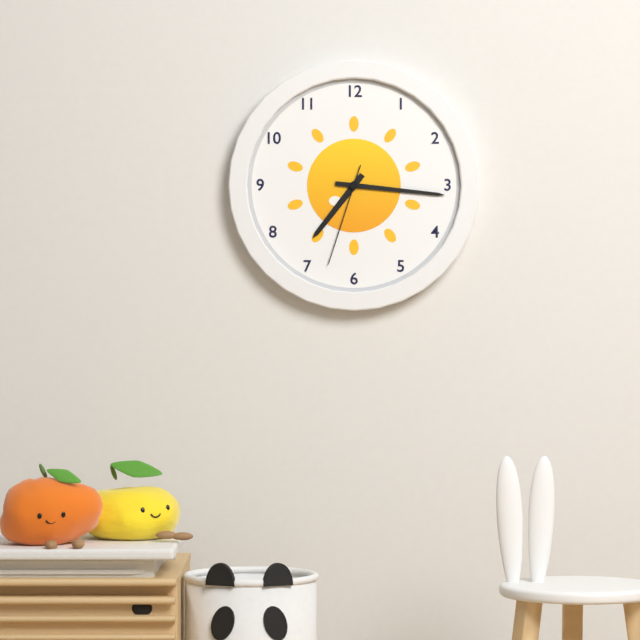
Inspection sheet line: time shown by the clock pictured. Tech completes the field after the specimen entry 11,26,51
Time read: 7,16,33
